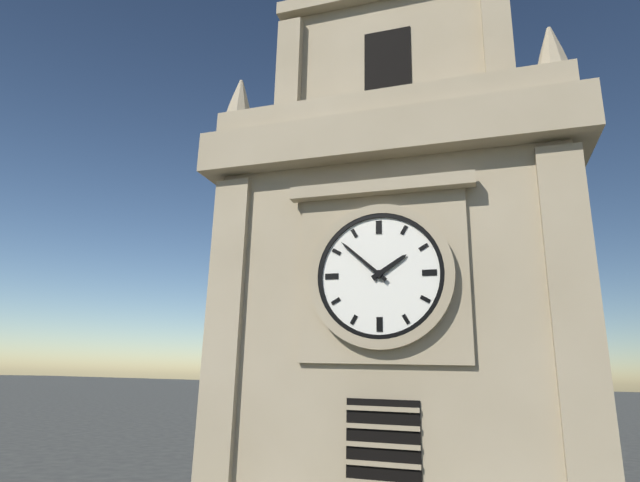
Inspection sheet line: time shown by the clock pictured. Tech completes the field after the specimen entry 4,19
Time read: 1,52
